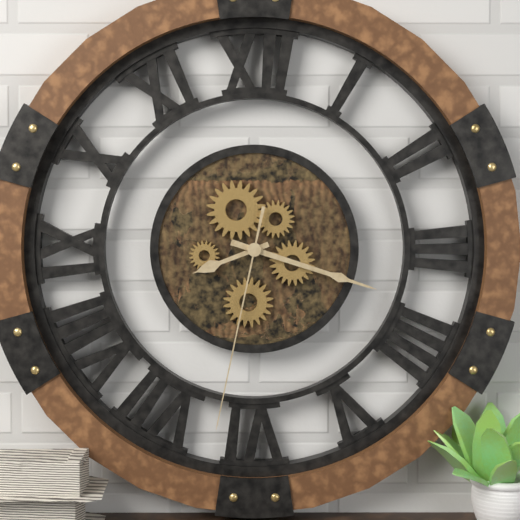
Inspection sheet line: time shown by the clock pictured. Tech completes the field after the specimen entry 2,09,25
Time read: 8,18,32
